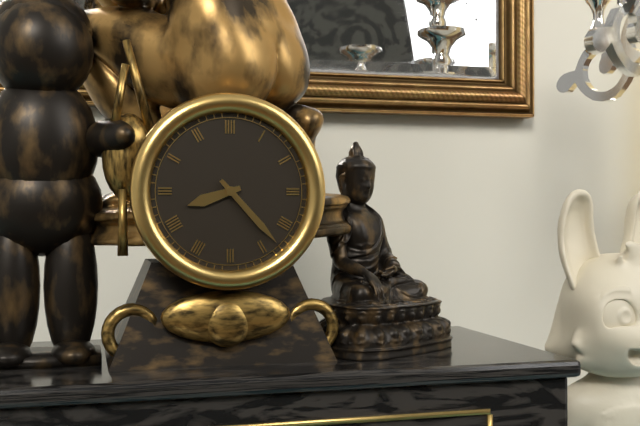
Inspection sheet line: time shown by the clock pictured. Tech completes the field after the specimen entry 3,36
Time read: 8,23
